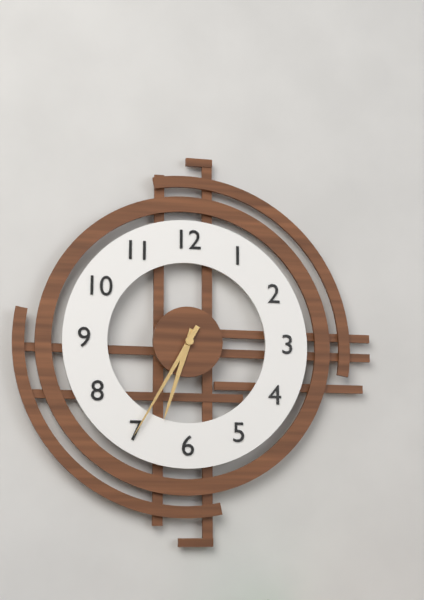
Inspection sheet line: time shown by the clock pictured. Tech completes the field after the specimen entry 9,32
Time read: 6,35
